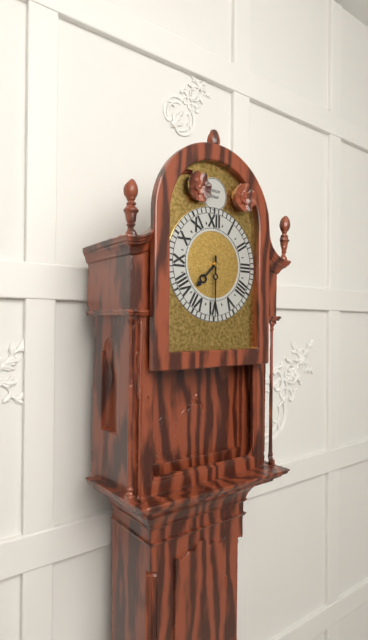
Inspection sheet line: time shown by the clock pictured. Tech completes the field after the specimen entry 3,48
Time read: 7,30
